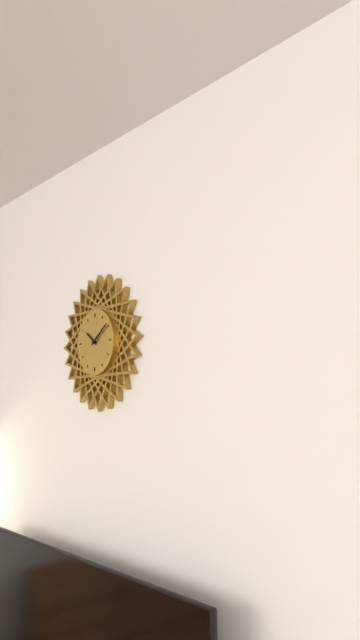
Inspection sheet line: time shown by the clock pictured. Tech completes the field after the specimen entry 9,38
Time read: 10,09
